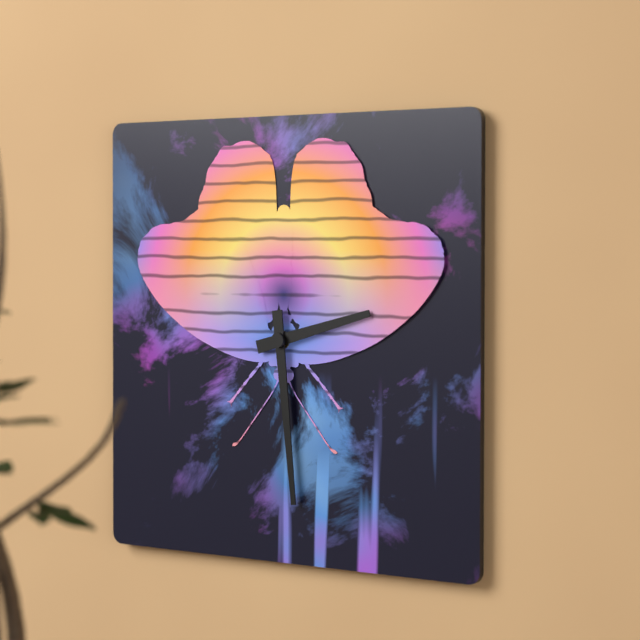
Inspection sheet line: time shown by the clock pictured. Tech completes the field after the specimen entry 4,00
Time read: 2,29
